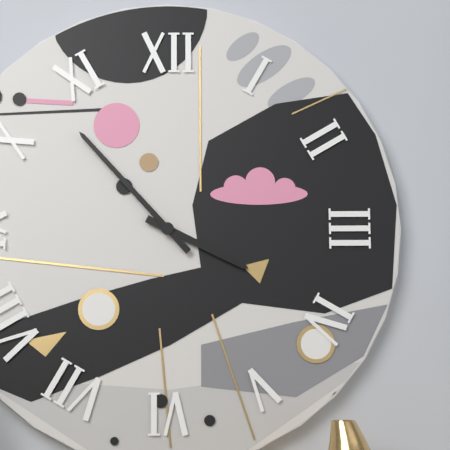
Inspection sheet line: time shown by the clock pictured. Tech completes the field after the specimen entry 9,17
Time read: 3,53
